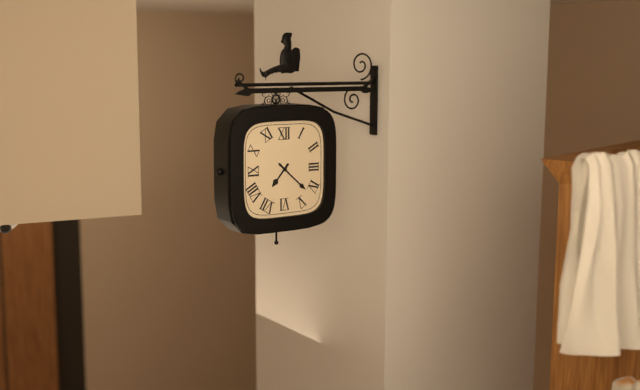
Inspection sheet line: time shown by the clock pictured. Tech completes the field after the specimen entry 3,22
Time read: 7,22
